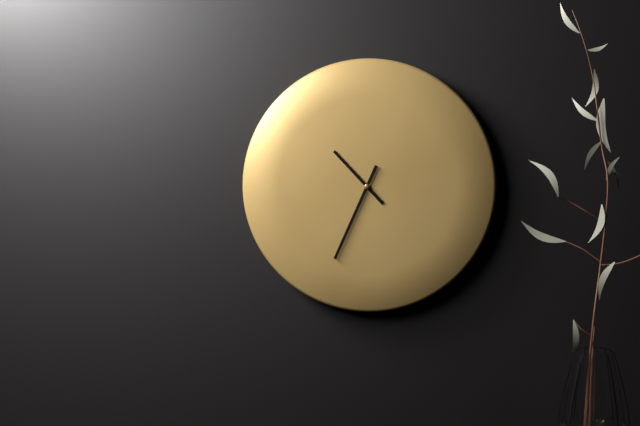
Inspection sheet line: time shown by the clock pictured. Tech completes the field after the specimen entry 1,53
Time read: 10,34
